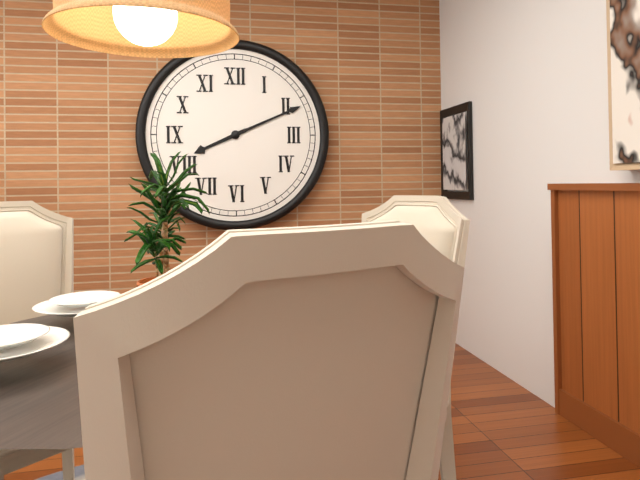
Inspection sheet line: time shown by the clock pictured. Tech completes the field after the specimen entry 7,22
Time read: 8,11
